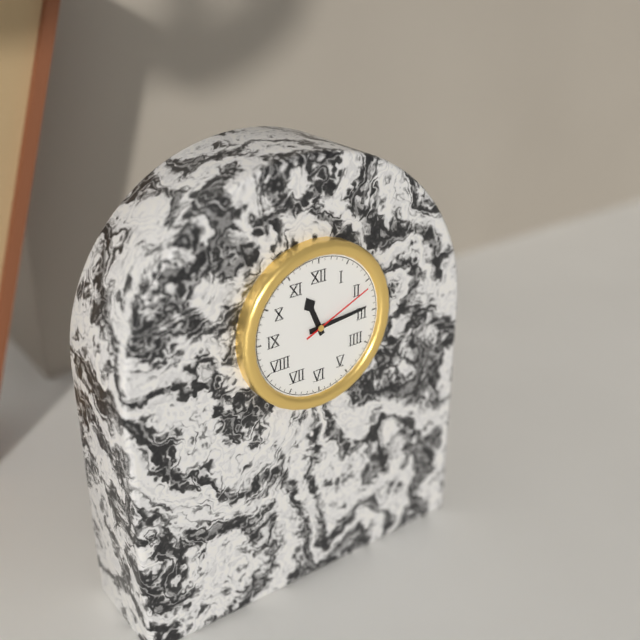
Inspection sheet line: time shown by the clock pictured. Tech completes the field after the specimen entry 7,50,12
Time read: 11,14,11
